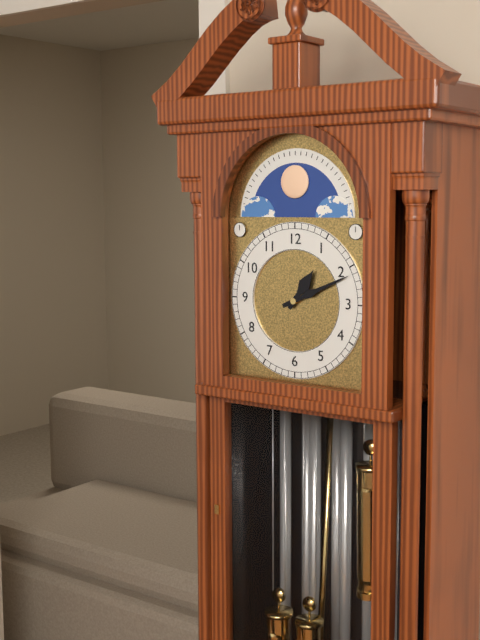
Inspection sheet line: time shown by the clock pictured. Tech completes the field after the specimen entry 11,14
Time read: 1,11
